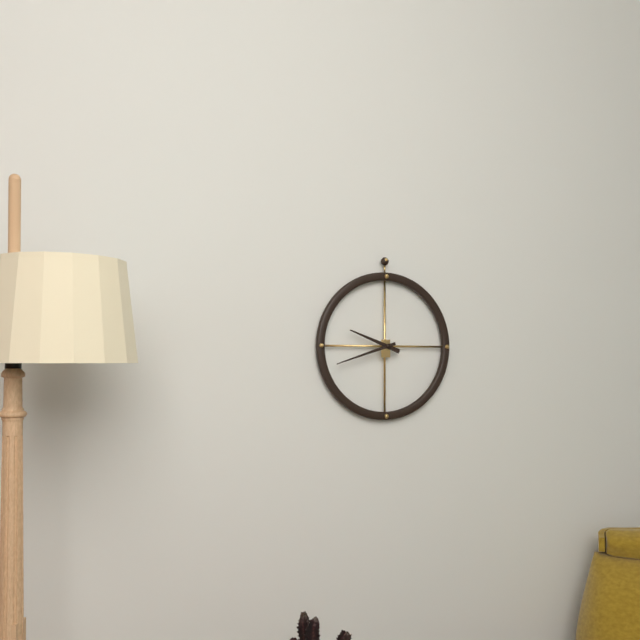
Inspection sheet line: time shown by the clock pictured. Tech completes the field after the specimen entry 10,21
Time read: 9,42
